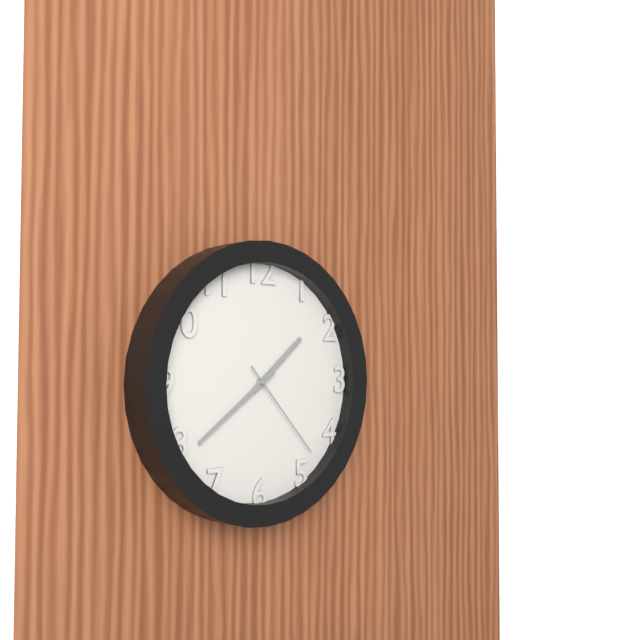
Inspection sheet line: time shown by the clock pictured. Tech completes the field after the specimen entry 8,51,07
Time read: 1,39,23
